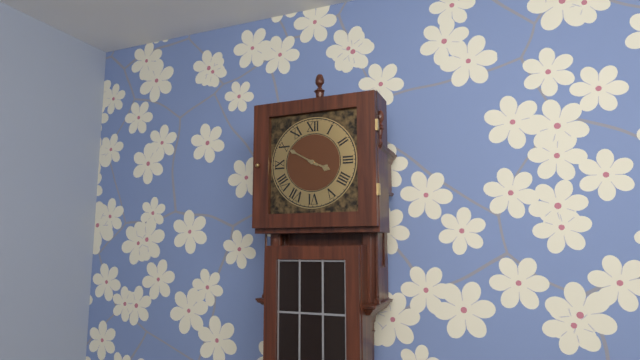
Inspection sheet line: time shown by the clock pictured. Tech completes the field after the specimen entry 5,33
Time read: 3,50
